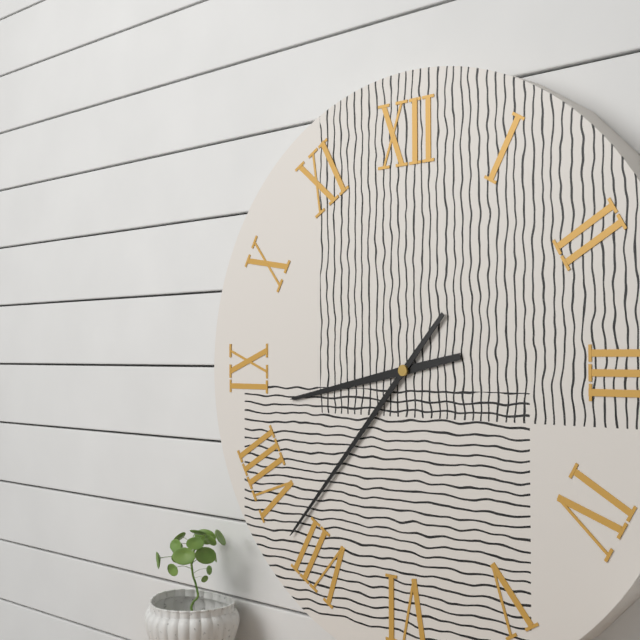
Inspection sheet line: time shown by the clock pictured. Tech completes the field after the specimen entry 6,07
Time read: 8,37
